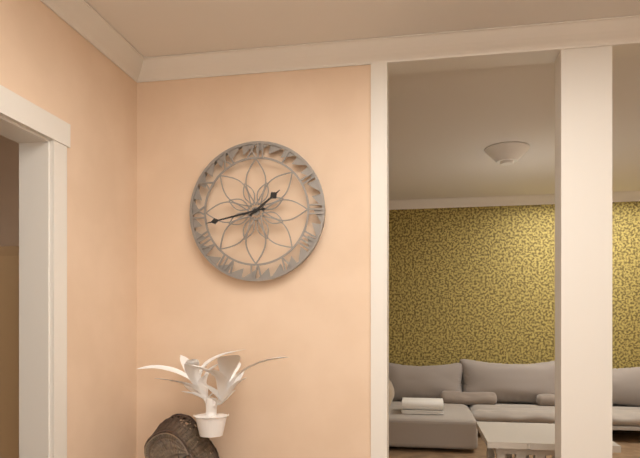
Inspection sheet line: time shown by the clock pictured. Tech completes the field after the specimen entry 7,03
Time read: 1,43
